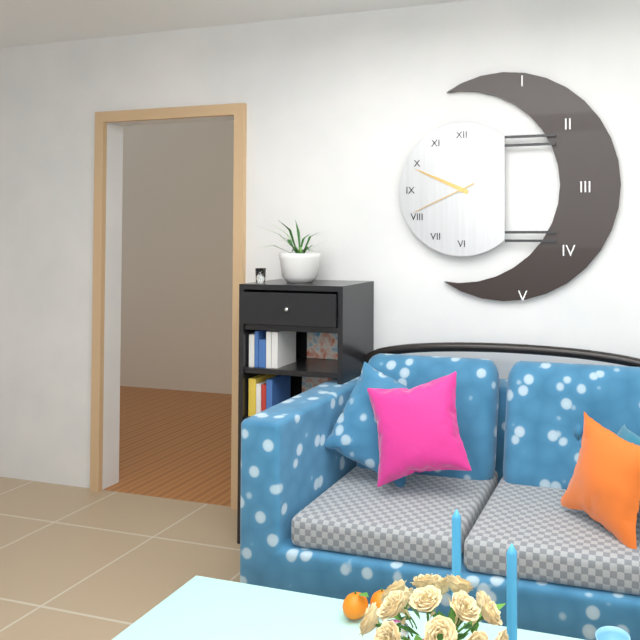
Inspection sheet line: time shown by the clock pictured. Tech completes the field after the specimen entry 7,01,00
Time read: 9,49,41
